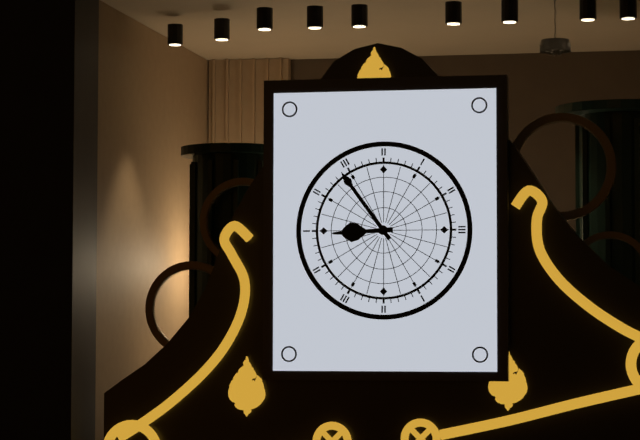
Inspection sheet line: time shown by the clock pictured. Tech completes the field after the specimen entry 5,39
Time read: 8,54
